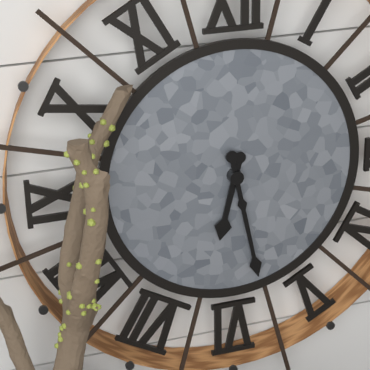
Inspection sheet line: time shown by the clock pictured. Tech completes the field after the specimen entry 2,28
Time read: 6,28
